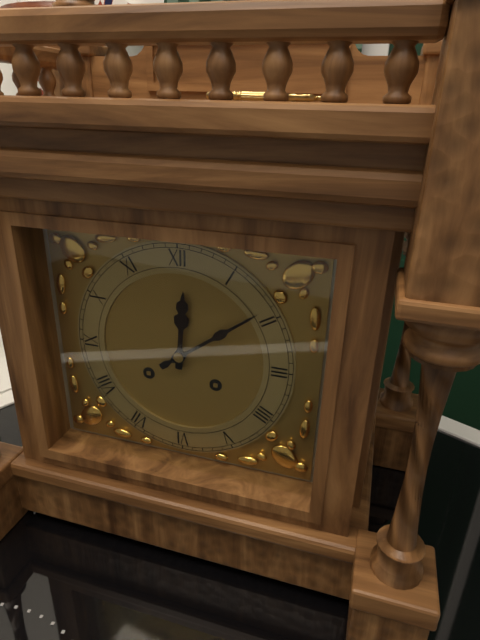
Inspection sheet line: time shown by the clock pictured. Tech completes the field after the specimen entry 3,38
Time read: 12,09
